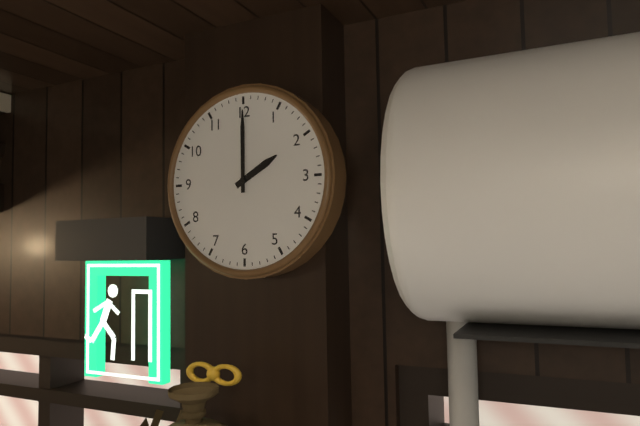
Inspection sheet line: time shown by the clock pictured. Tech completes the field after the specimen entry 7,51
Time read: 2,00
